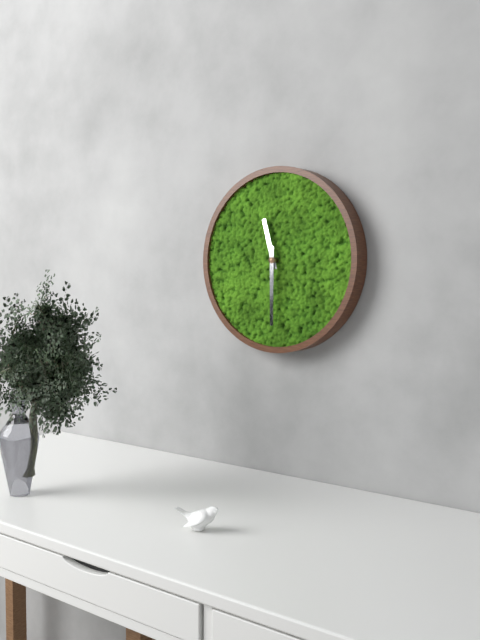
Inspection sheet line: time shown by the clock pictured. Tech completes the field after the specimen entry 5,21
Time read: 11,30
